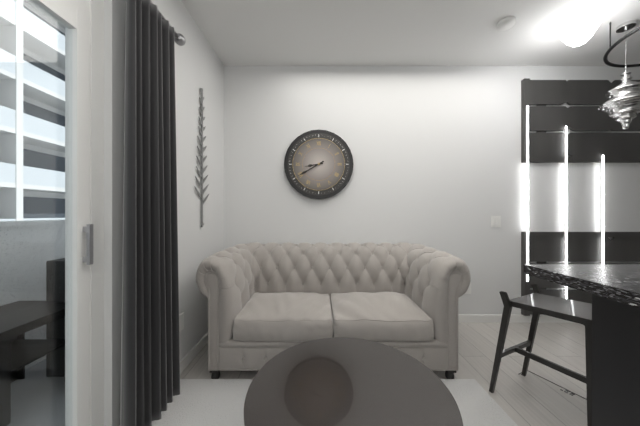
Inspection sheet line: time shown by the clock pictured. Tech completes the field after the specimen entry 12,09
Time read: 8,40
